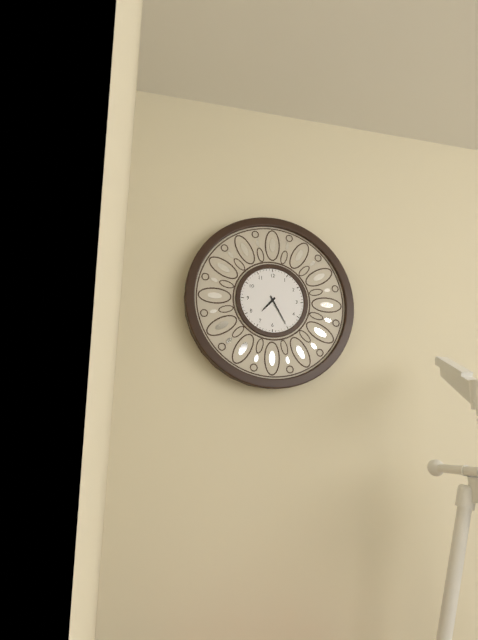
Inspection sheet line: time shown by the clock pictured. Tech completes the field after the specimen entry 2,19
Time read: 7,25
